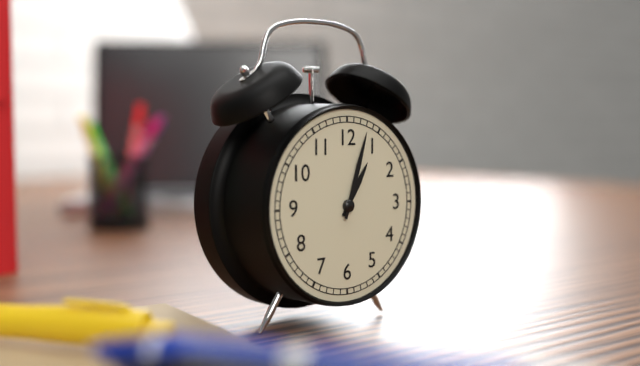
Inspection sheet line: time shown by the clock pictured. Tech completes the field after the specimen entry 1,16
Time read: 1,03
